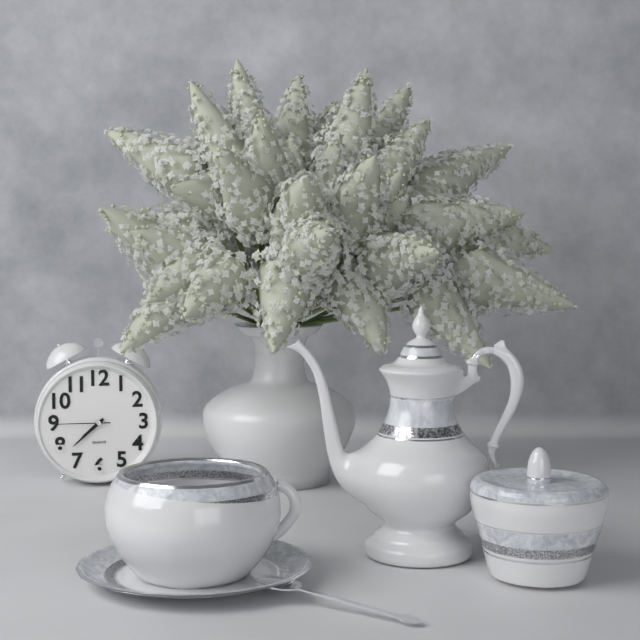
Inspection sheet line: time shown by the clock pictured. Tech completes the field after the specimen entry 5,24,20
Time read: 7,38,45
